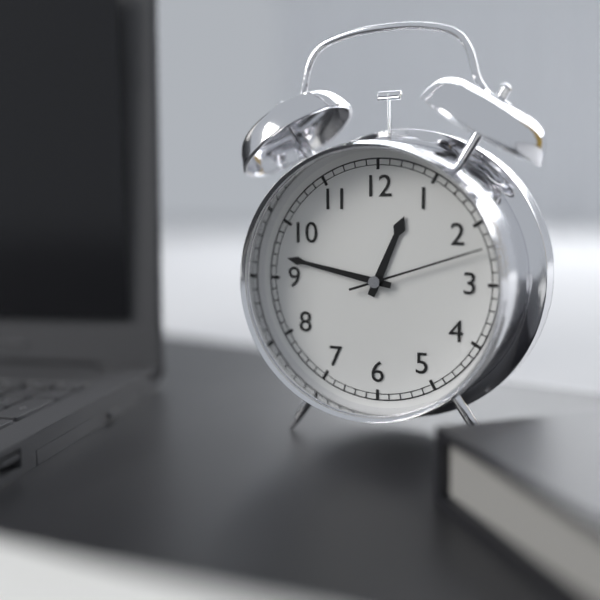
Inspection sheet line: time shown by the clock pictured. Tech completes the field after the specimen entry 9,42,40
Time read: 12,47,12
